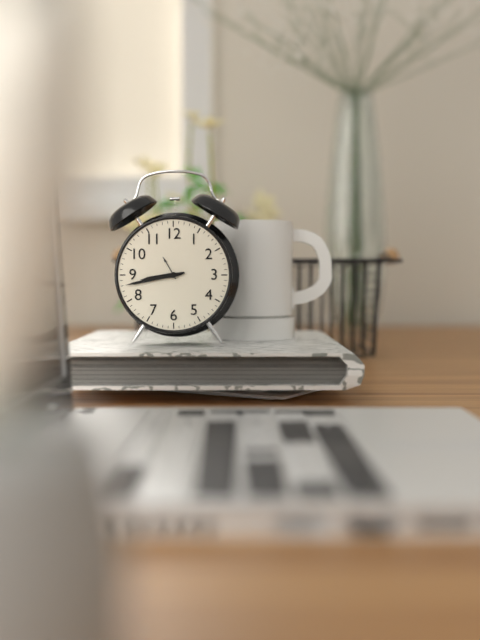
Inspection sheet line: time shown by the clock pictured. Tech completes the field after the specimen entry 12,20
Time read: 8,43
